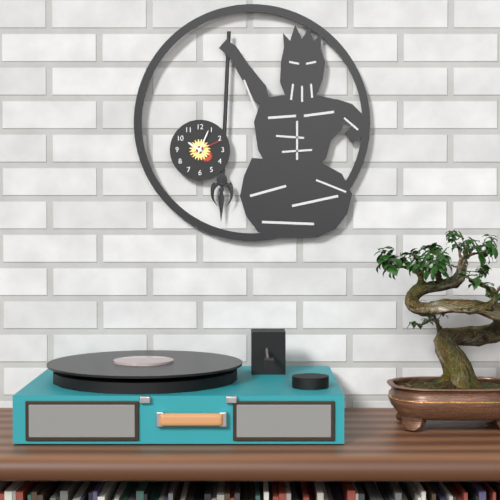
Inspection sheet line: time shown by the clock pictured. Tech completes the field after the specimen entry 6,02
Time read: 10,04
